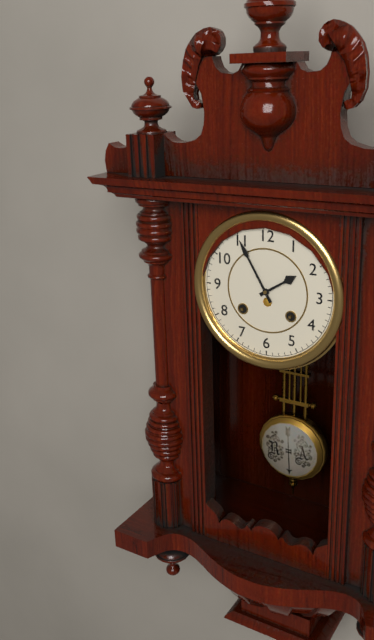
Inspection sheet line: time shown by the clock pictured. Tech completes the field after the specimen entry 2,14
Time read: 1,55
